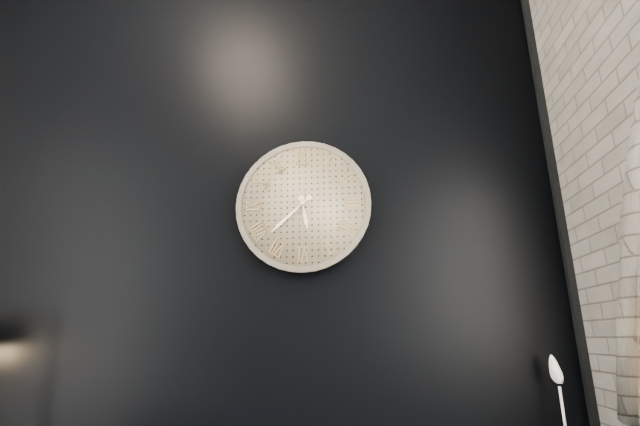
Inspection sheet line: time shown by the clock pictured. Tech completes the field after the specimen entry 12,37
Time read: 5,38
